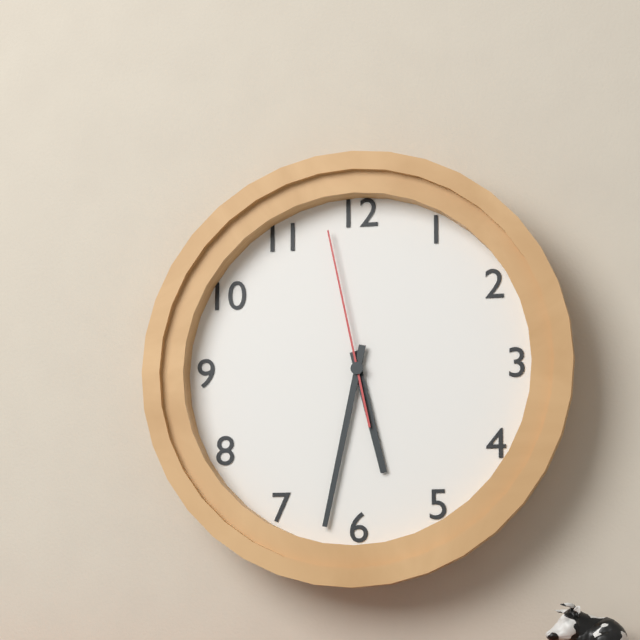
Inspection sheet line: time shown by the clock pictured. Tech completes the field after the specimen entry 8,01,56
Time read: 5,32,58
